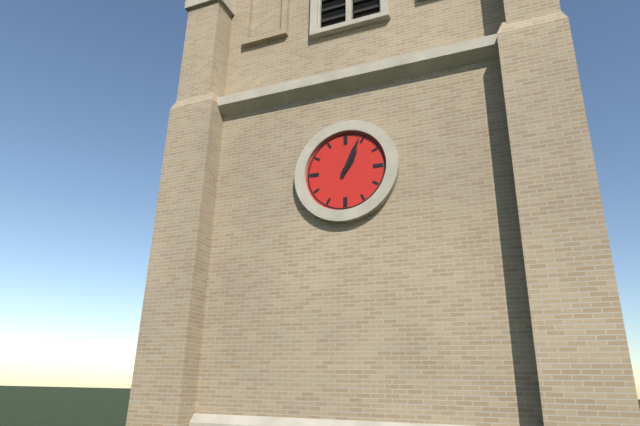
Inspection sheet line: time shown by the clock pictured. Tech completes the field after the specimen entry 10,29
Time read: 1,04
